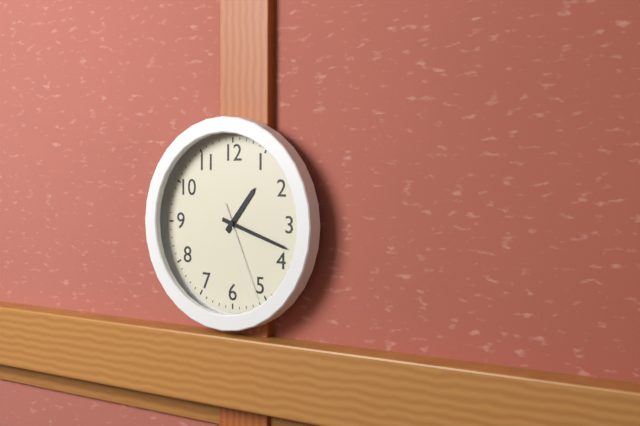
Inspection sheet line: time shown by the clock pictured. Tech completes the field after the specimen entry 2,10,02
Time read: 1,18,26
